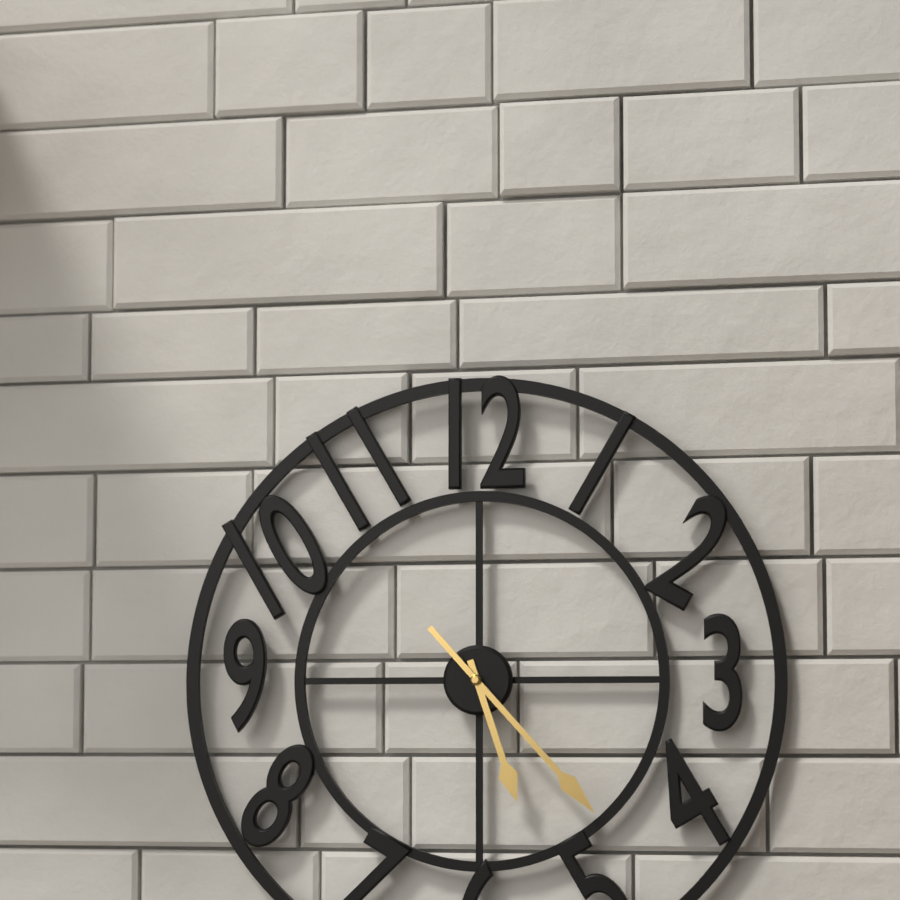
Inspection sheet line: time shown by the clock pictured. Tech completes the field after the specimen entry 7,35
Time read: 5,23
